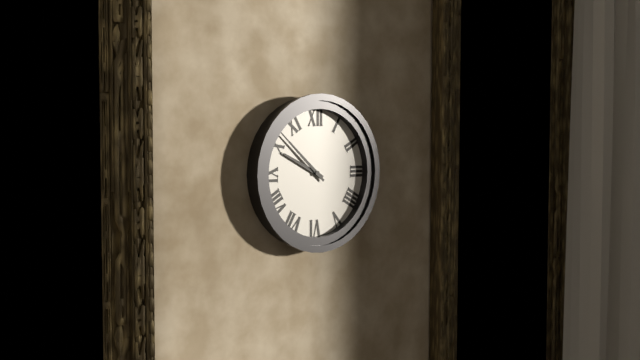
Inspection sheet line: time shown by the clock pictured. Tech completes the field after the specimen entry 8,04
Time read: 9,52
